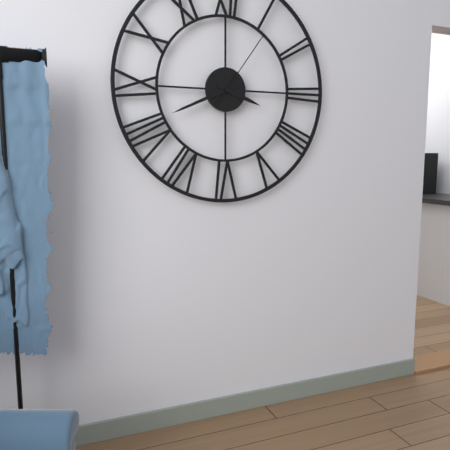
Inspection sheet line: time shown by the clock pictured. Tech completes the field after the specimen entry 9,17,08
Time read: 3,41,06
